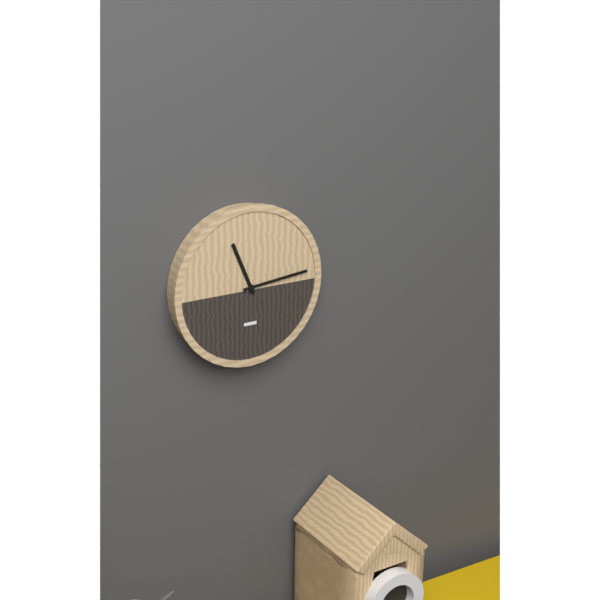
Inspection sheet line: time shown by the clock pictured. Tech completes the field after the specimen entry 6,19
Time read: 11,14
